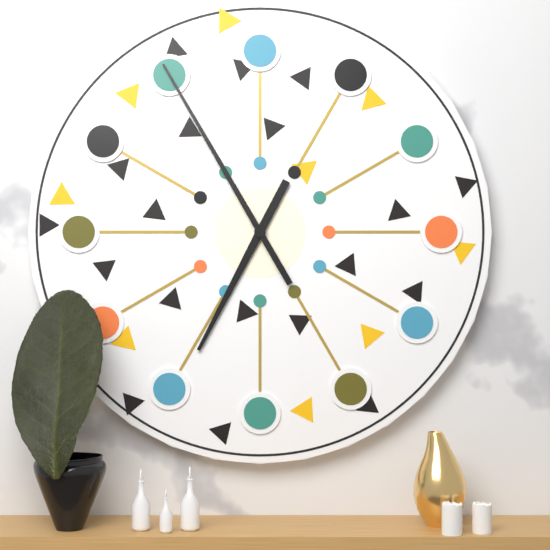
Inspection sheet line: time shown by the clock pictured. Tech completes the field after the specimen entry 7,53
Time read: 6,55
